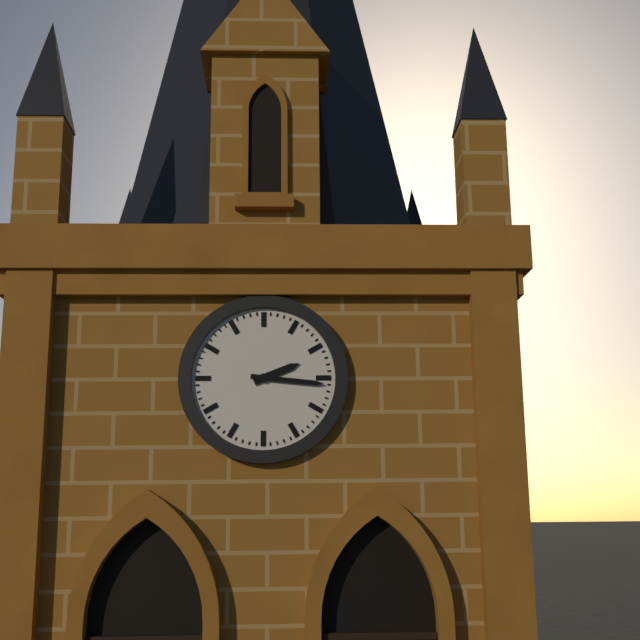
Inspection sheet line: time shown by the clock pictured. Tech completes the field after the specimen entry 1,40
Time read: 2,16
